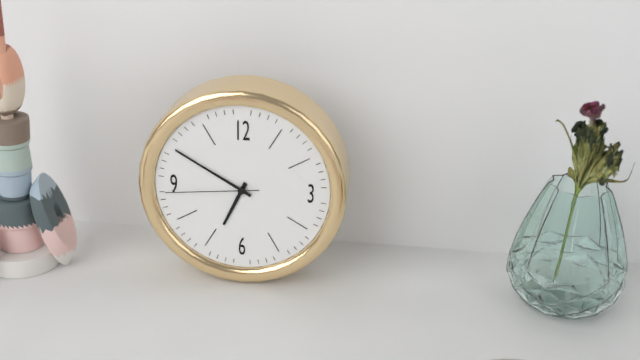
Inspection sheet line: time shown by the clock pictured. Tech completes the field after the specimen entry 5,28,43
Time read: 6,50,44
